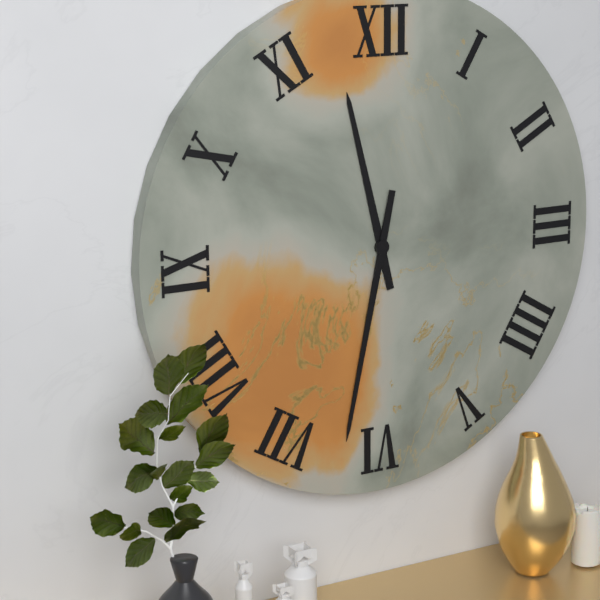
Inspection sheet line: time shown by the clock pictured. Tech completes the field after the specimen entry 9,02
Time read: 11,32
